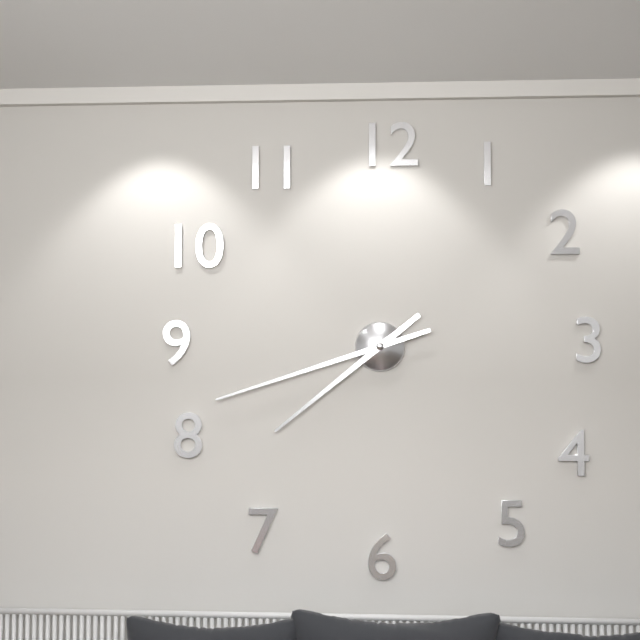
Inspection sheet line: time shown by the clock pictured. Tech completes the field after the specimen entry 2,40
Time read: 7,42
